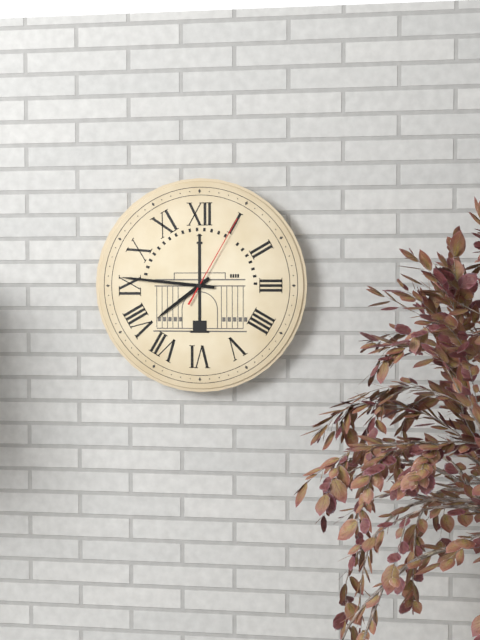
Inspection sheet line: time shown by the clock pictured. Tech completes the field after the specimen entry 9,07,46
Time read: 7,46,05
